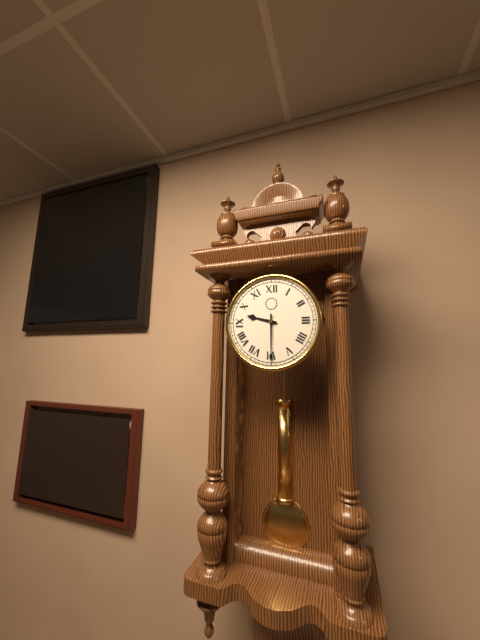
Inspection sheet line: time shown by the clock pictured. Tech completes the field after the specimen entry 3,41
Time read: 9,30
